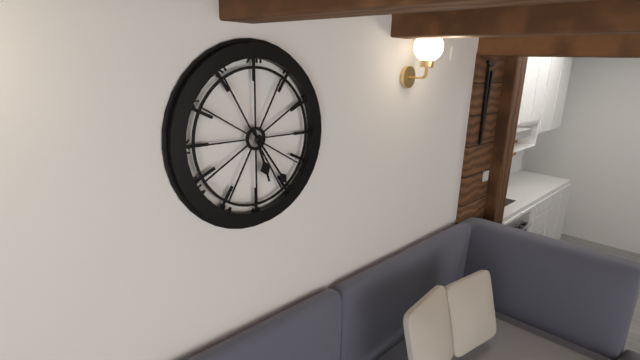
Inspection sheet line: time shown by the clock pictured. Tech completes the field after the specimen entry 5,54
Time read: 5,24
